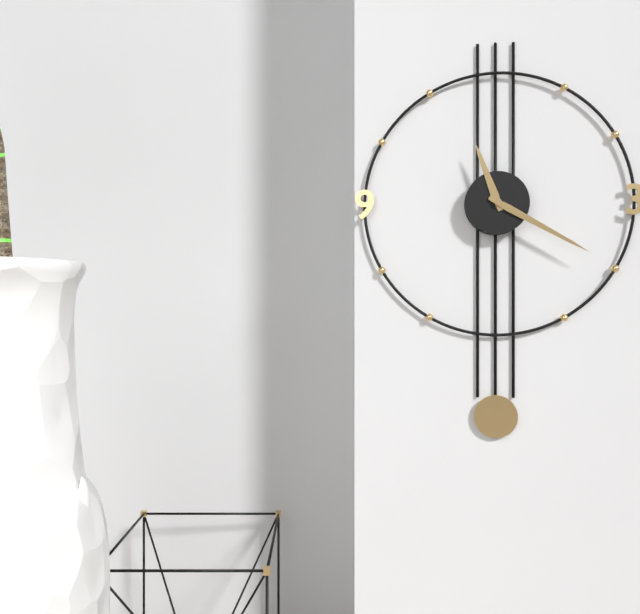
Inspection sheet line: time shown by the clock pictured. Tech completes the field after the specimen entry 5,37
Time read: 11,20
